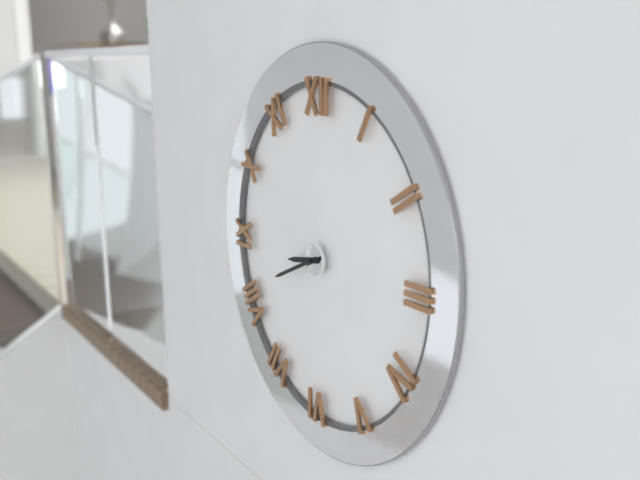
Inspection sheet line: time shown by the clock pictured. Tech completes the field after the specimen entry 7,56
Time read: 8,41
